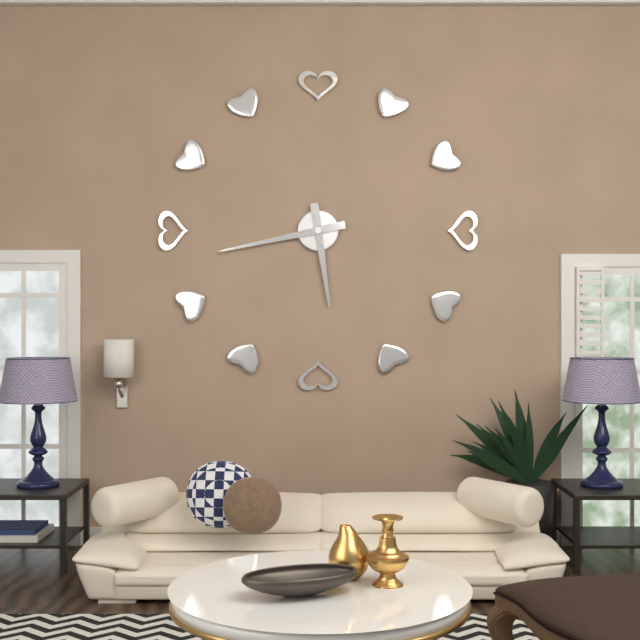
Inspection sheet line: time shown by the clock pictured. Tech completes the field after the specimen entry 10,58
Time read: 5,43
